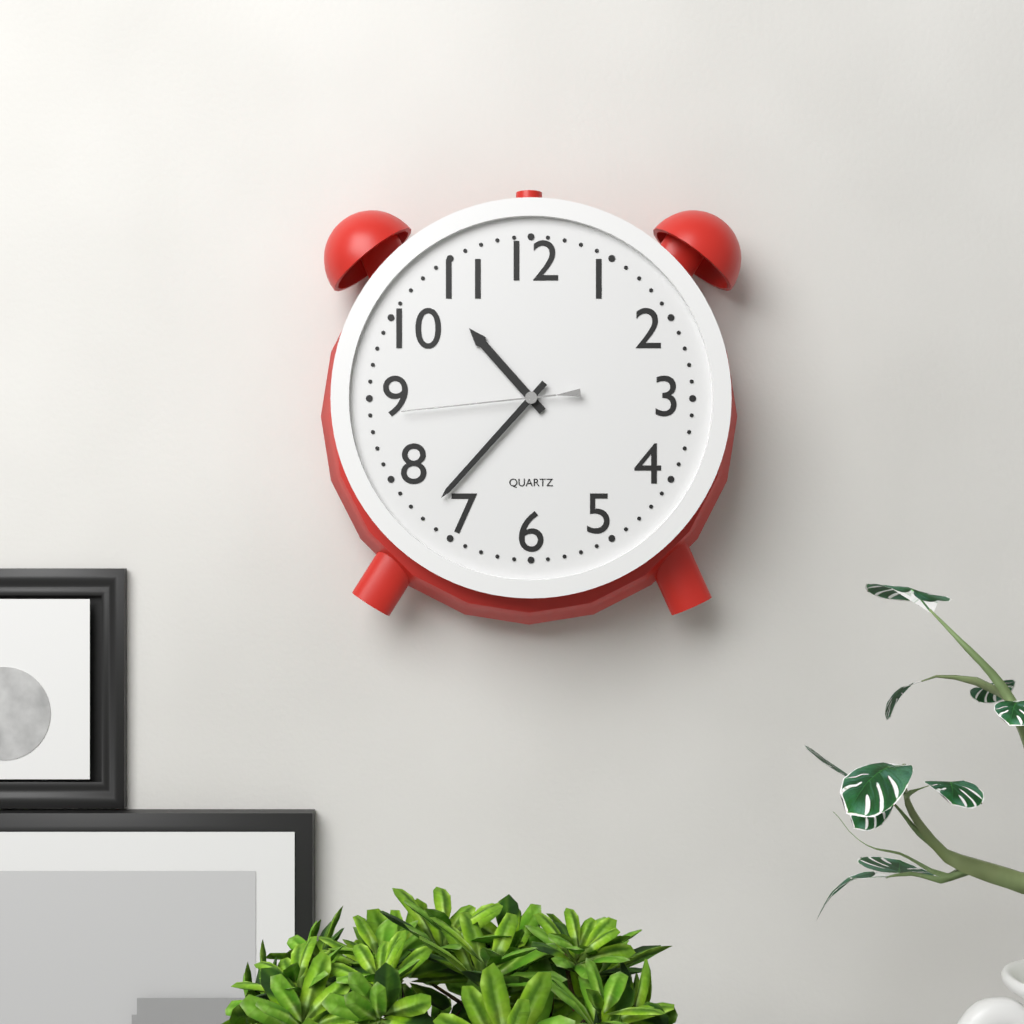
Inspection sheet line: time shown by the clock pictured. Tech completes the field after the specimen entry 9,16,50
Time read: 10,37,44
